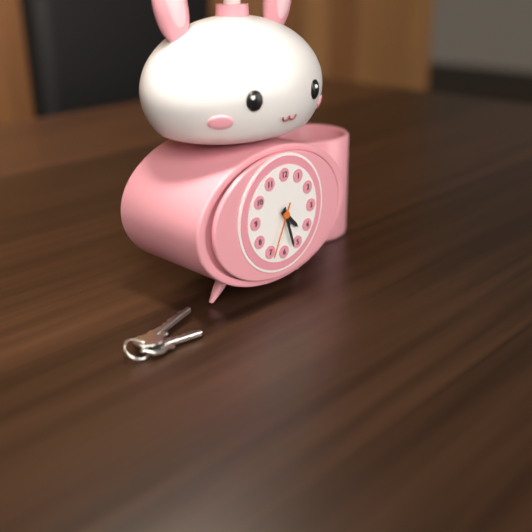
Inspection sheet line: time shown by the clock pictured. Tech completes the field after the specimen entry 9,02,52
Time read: 4,27,34
